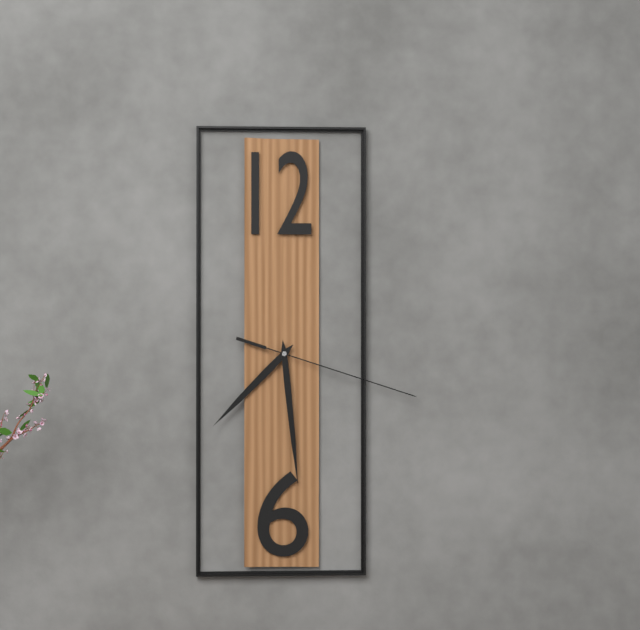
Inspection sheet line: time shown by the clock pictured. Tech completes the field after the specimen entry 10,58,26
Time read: 7,29,18
